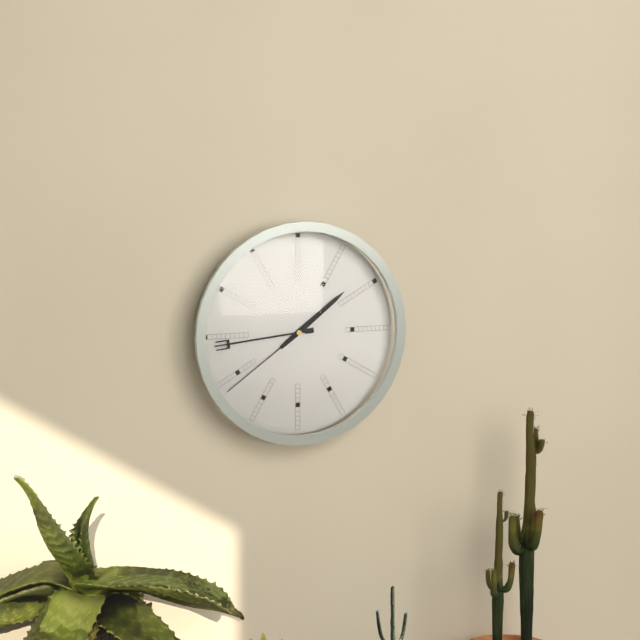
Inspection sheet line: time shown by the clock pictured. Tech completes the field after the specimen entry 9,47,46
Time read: 1,44,39
